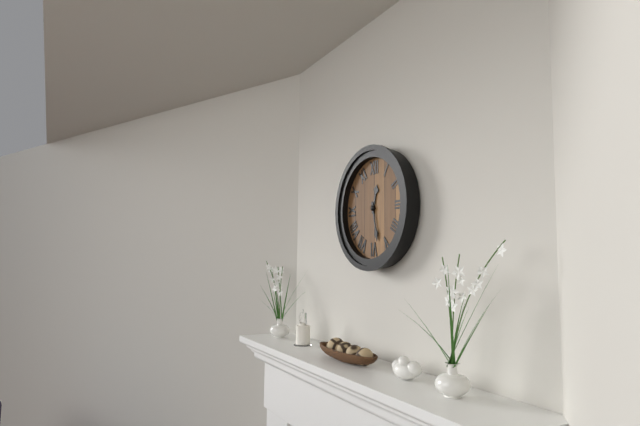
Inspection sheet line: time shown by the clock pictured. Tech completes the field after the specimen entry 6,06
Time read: 12,28
